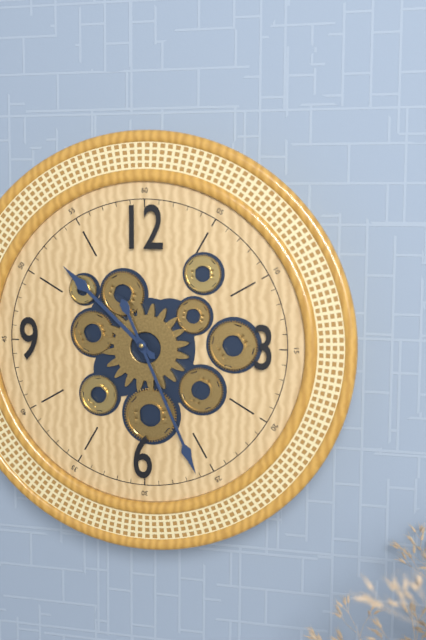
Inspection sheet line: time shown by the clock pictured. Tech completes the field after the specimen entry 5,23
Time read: 10,26
